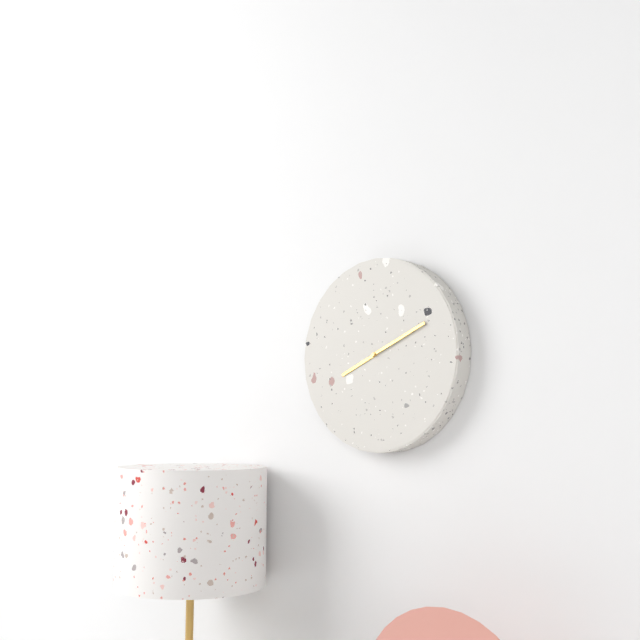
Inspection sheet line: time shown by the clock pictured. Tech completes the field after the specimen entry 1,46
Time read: 8,11
